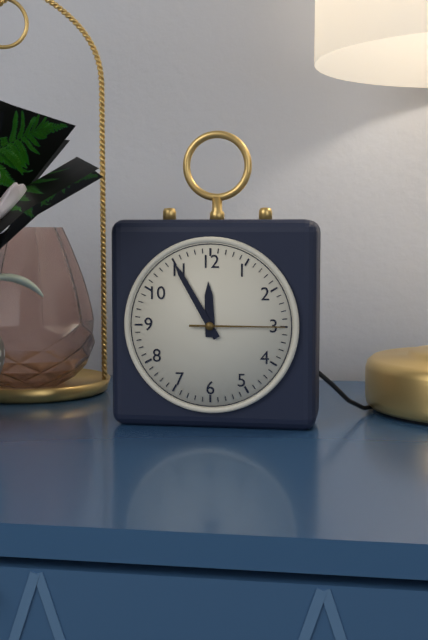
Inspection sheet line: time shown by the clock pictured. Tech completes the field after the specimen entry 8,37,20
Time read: 11,55,15
